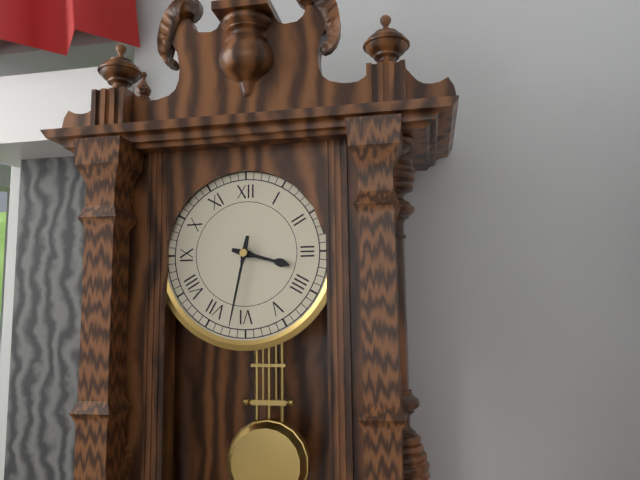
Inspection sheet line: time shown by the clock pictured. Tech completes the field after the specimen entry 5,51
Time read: 3,32
